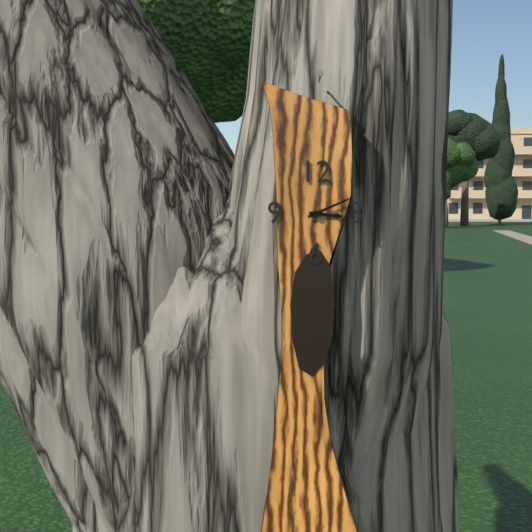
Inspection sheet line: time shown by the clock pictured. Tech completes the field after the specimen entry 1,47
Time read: 3,11
